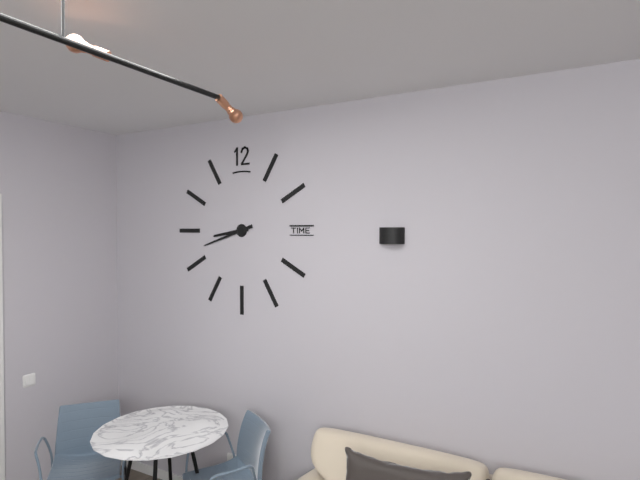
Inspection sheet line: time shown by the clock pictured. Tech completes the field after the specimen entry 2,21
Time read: 8,42
